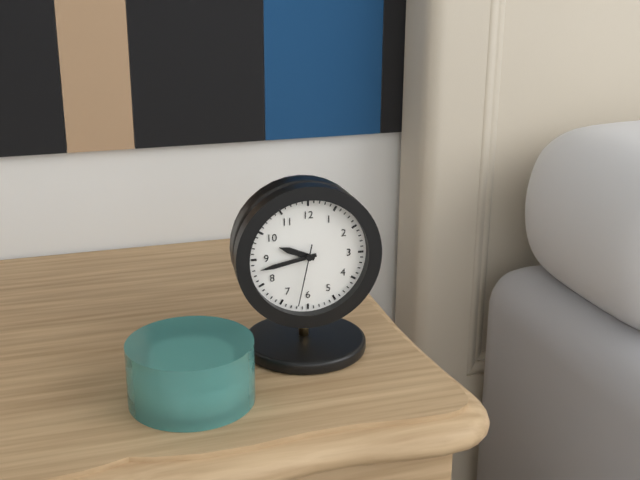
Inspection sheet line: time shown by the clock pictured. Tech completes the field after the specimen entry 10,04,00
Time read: 9,43,32
